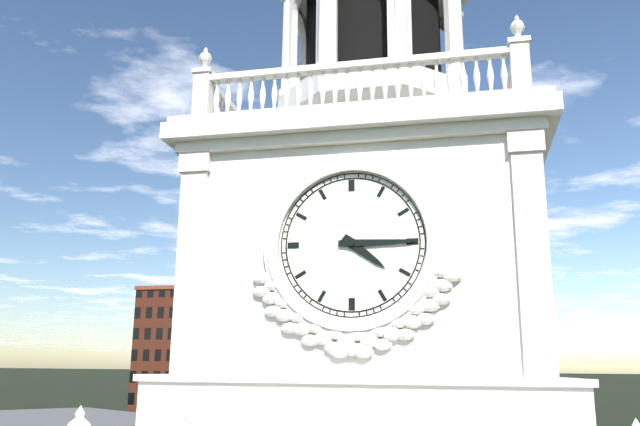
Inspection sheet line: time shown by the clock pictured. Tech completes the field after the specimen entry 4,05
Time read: 4,15
